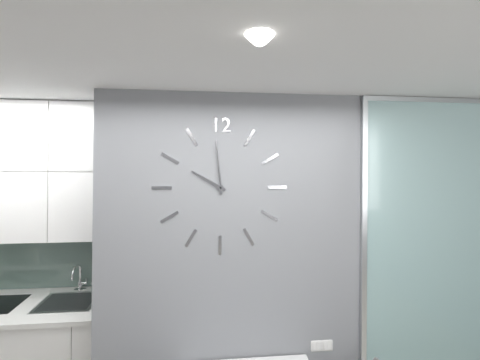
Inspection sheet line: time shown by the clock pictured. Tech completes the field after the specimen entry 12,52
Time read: 9,59
